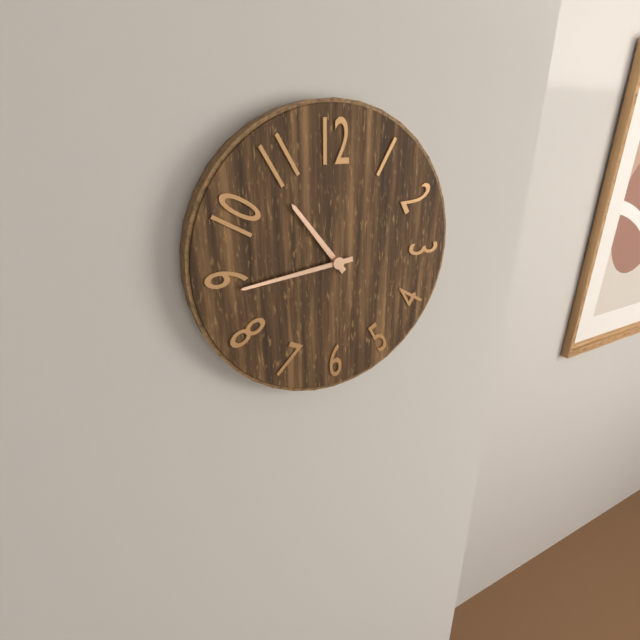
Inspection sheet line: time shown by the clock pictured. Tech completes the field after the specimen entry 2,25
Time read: 10,44
